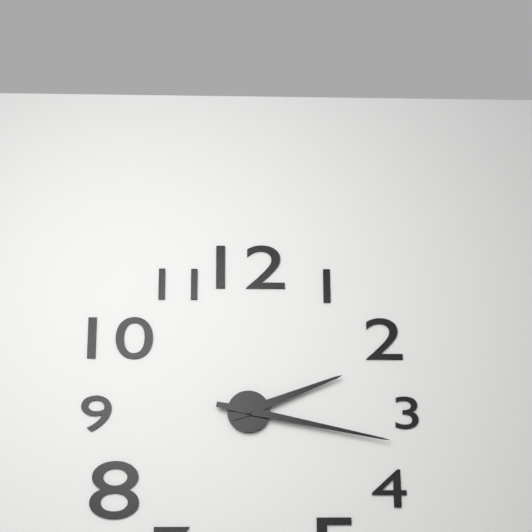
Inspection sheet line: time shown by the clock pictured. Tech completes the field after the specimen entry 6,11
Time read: 2,17
